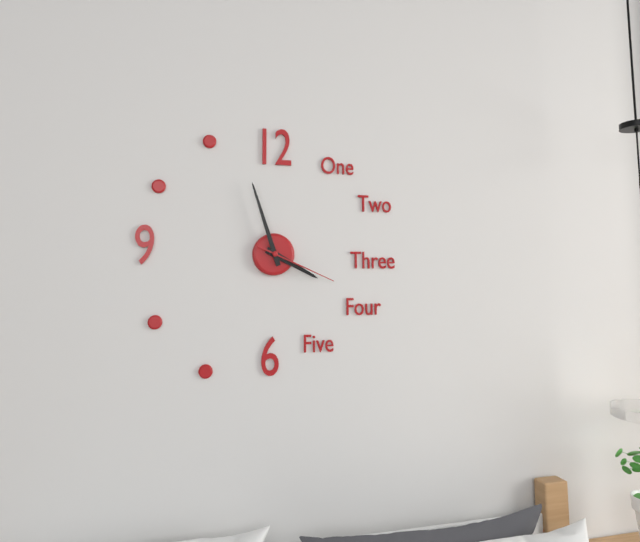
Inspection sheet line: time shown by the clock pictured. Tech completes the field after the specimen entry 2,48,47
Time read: 3,57,19
